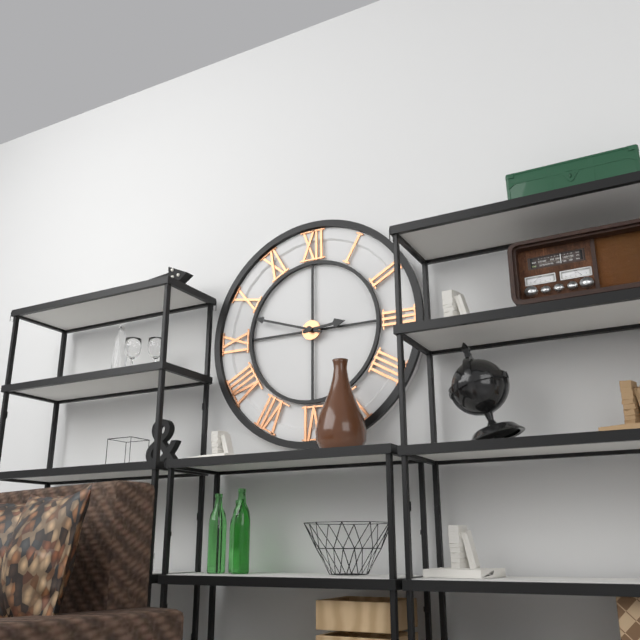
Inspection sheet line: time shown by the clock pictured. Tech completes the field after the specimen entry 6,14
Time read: 2,48
